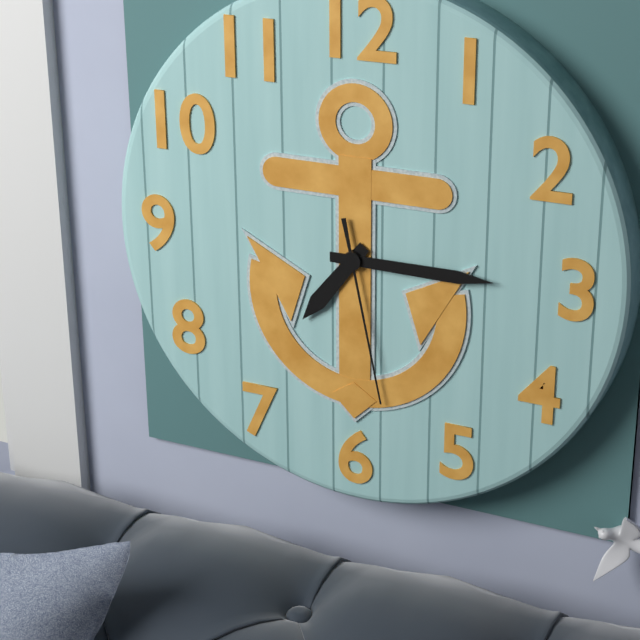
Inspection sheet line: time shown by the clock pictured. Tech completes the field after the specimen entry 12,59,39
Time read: 7,15,28
